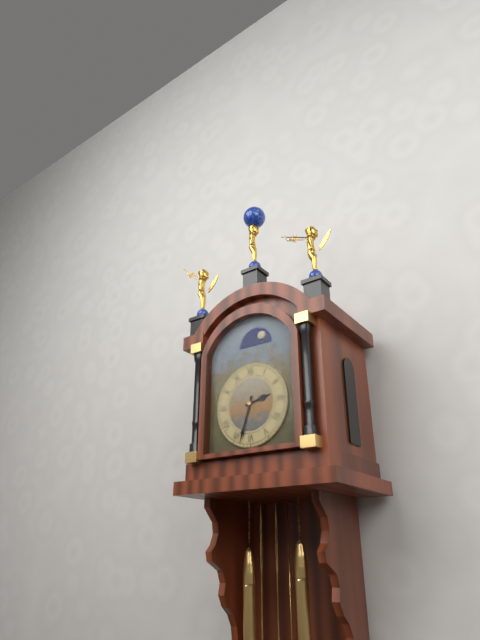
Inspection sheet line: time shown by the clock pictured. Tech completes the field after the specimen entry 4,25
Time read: 2,33
